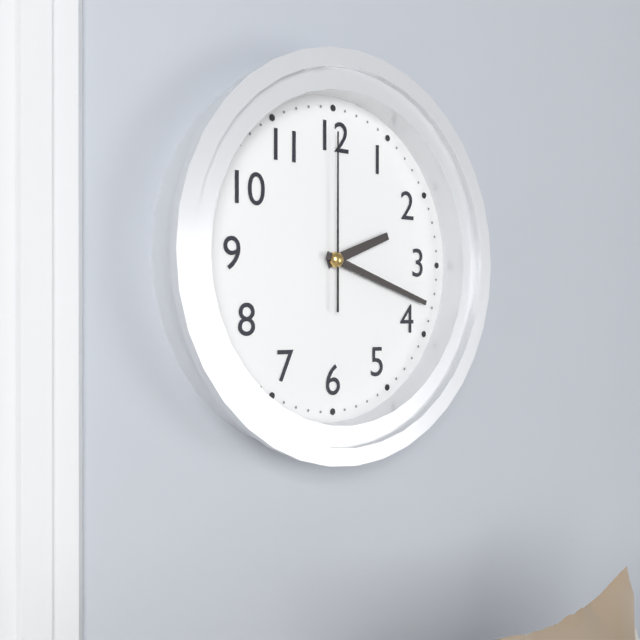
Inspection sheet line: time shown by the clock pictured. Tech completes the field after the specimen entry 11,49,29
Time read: 2,18,00
